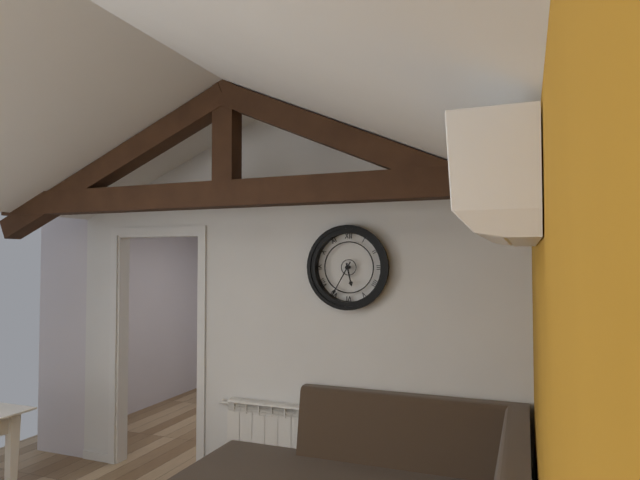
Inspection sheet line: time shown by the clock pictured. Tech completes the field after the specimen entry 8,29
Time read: 5,35
